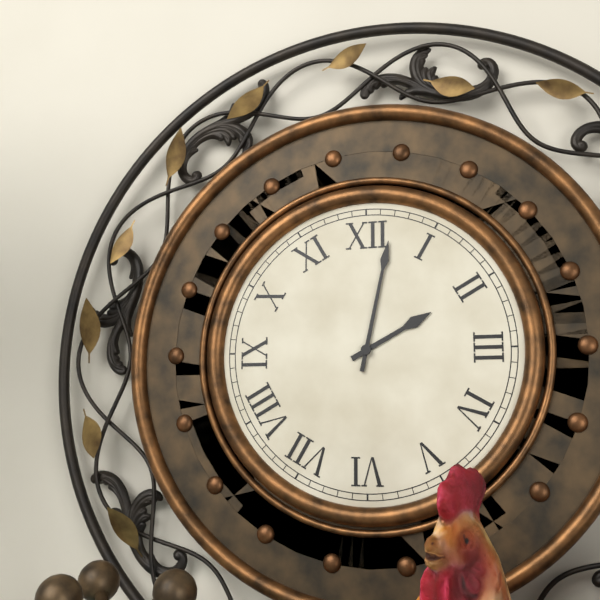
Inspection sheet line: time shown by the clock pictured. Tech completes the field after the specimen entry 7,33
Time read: 2,02
